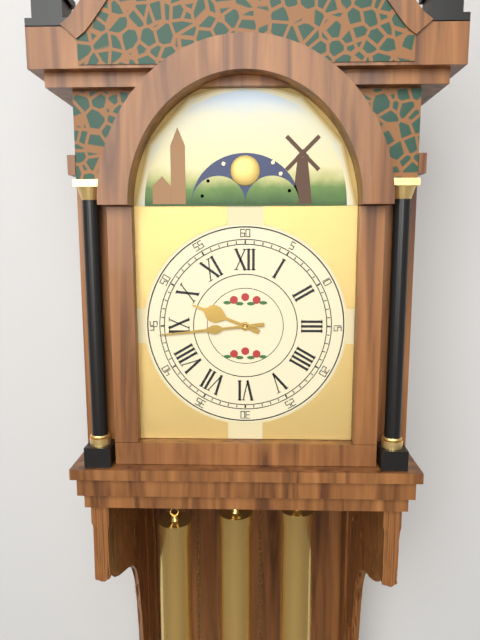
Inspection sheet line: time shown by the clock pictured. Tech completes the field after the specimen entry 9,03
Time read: 9,44
